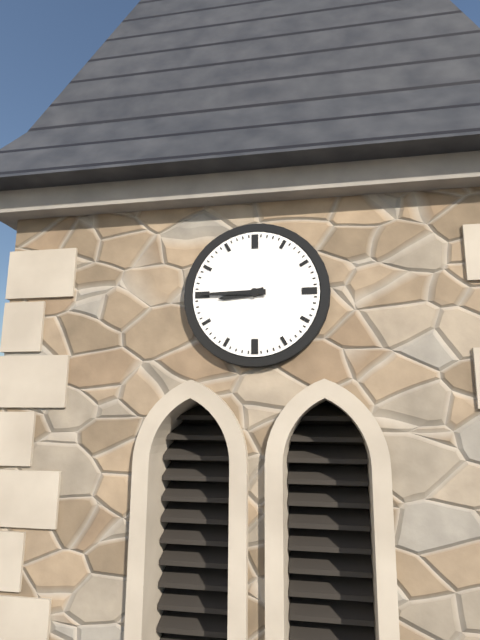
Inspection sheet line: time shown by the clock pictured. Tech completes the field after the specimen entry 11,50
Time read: 8,45
